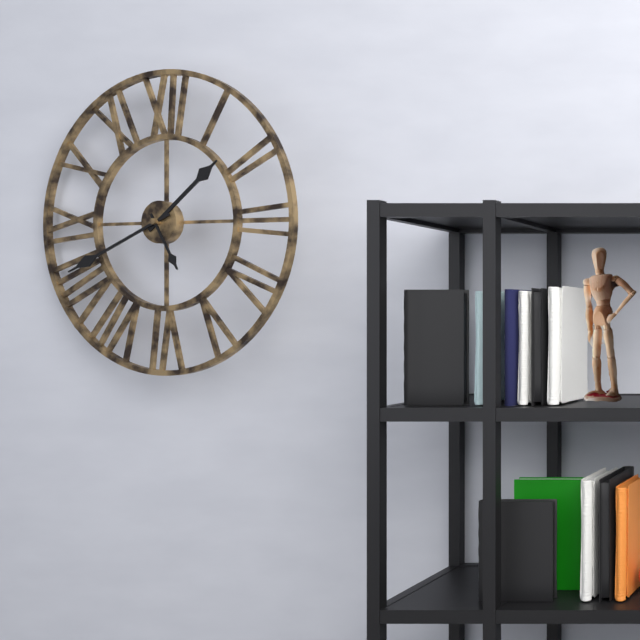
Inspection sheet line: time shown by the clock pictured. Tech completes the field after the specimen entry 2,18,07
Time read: 1,41,25
